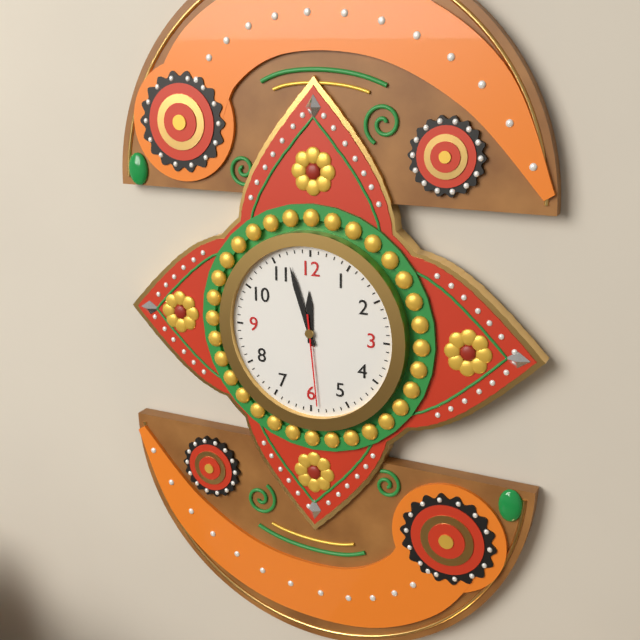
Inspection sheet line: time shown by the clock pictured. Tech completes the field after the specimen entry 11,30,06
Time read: 11,57,29
